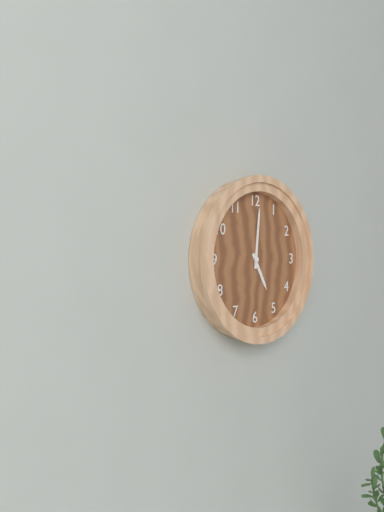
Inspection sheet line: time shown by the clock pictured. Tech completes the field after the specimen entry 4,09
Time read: 5,01
